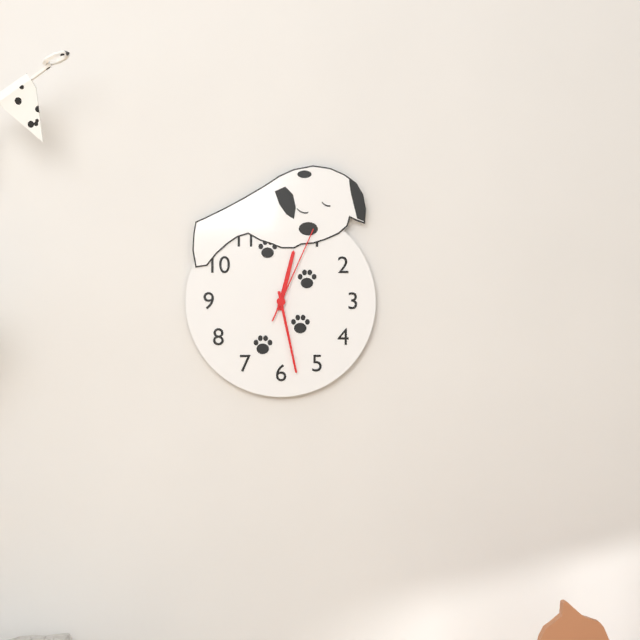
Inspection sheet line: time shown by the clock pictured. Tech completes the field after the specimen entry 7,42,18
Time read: 12,28,04
